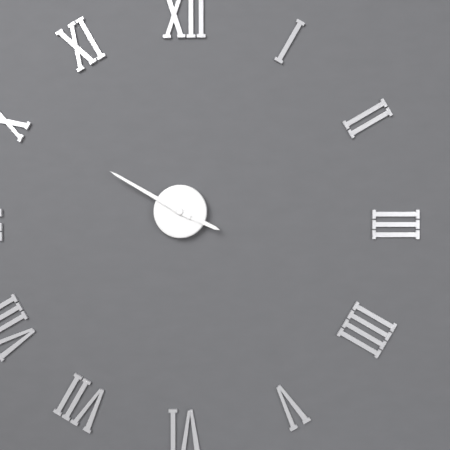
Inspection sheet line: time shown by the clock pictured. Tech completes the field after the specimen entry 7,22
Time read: 3,50
